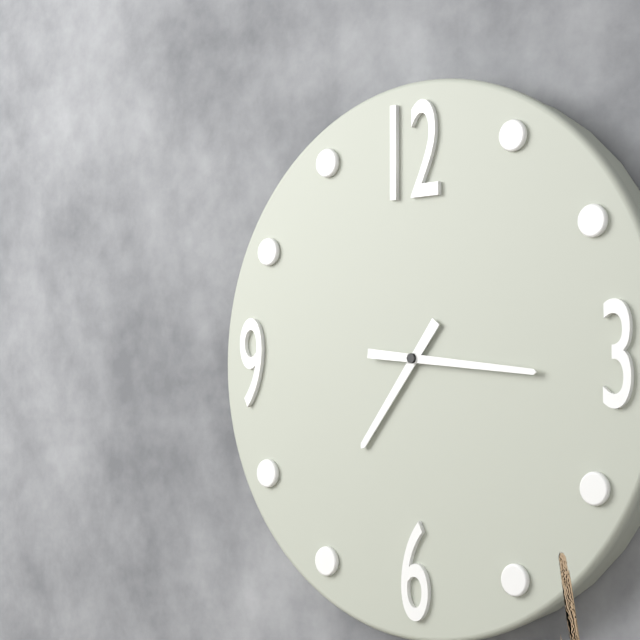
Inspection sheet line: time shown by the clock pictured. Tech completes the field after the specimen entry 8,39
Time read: 7,16
